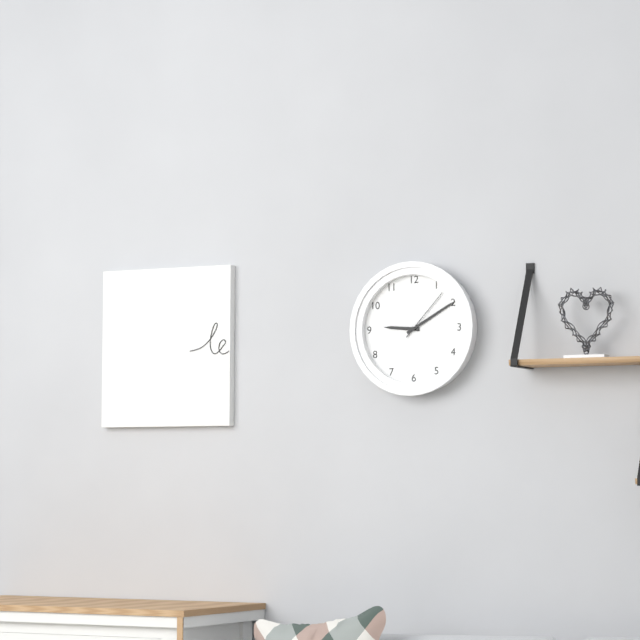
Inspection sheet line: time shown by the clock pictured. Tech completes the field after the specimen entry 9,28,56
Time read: 9,10,07
